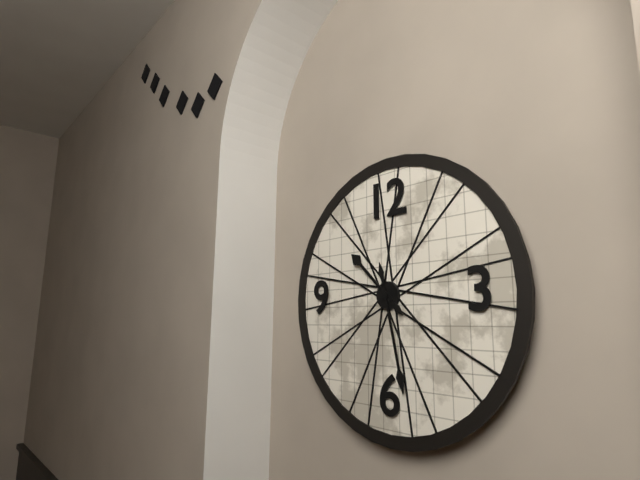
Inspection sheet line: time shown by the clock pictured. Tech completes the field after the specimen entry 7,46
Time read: 10,28
